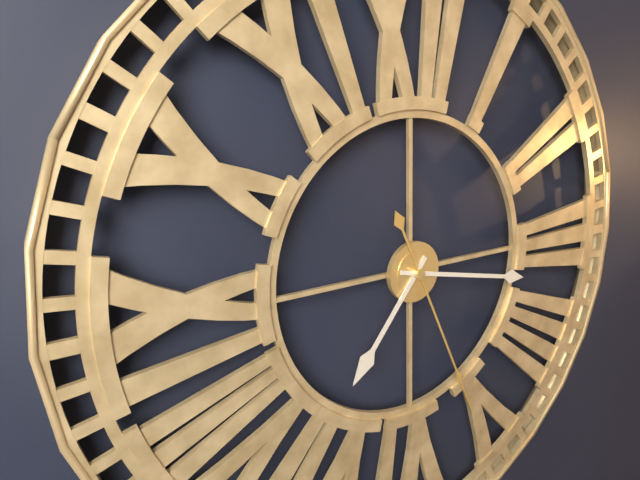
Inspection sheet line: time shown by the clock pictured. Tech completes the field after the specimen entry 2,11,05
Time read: 7,17,26
